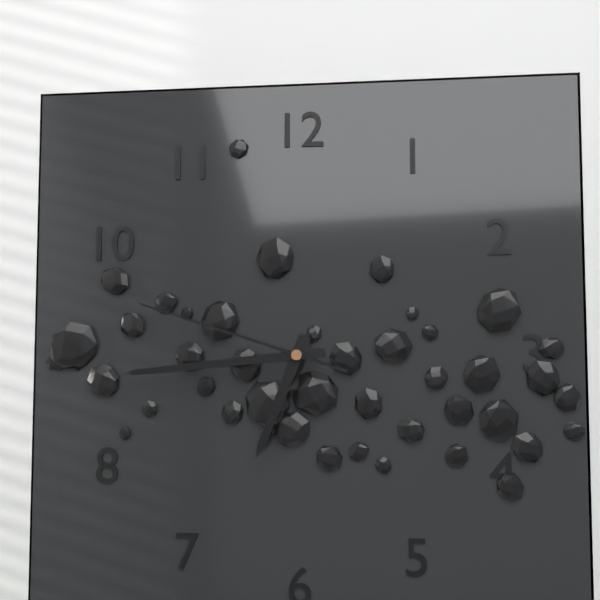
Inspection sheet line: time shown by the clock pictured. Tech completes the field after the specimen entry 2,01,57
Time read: 6,44,48
